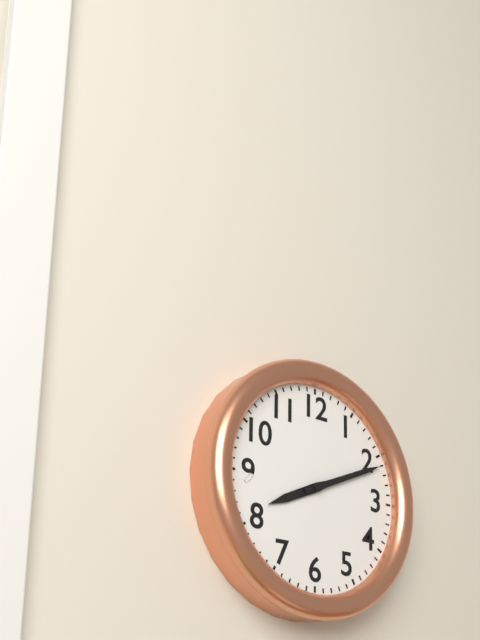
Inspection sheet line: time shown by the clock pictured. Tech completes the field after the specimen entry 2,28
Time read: 8,11
